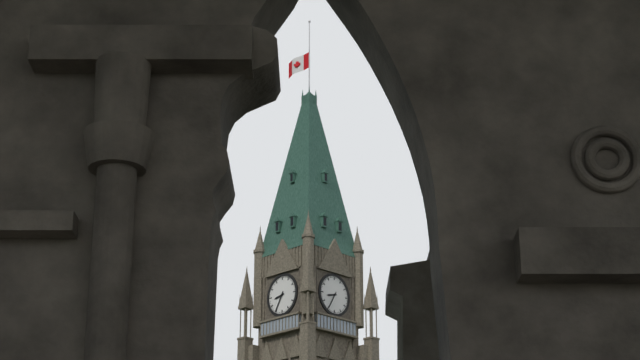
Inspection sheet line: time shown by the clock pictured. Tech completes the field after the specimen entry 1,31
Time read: 8,35
